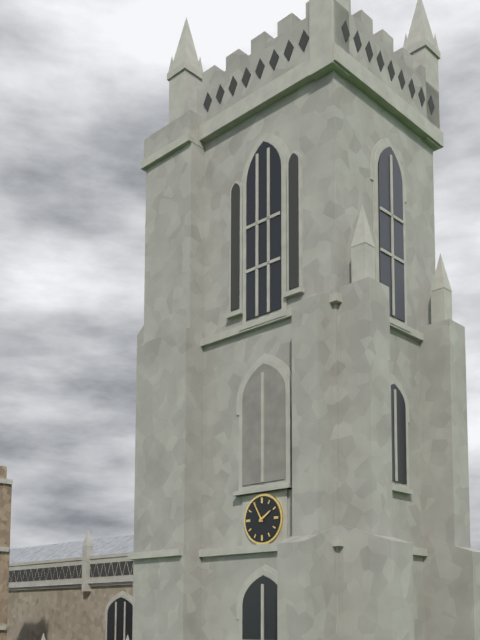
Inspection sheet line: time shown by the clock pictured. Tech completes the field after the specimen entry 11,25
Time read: 1,55
